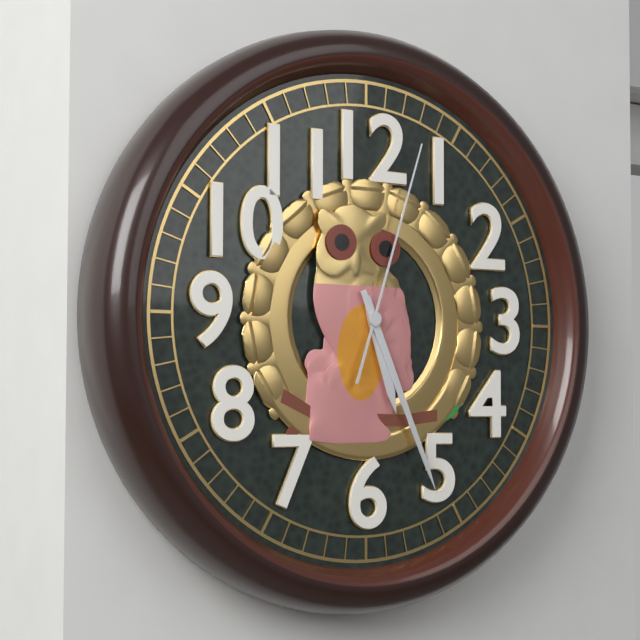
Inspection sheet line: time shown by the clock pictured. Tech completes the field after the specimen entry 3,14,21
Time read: 5,26,03
